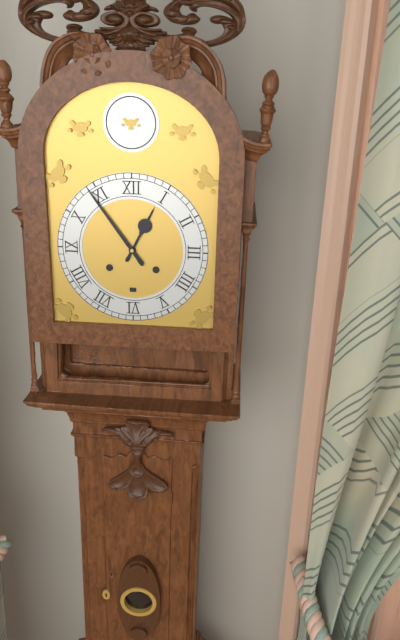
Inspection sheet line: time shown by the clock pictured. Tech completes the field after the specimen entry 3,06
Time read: 12,54
